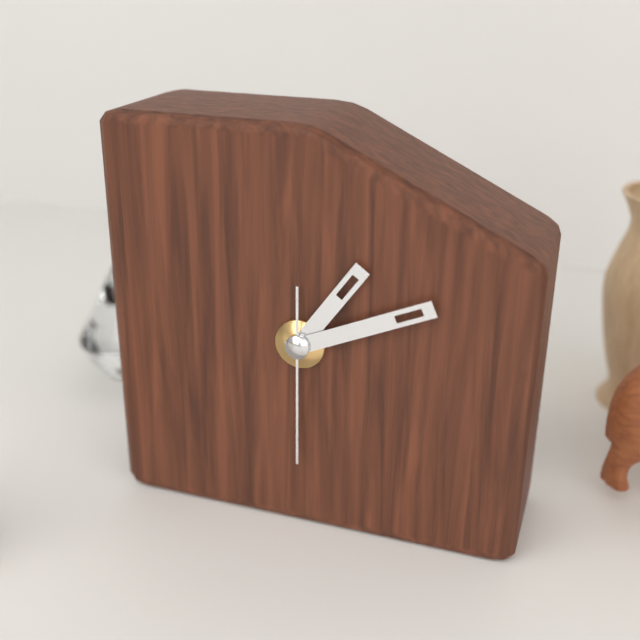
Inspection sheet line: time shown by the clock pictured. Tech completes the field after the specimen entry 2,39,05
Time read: 1,11,30
